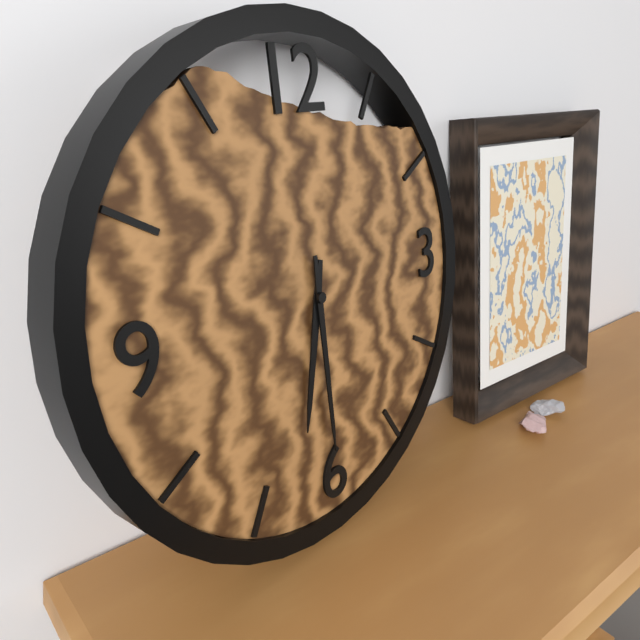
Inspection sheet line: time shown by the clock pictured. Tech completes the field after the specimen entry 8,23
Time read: 6,30
